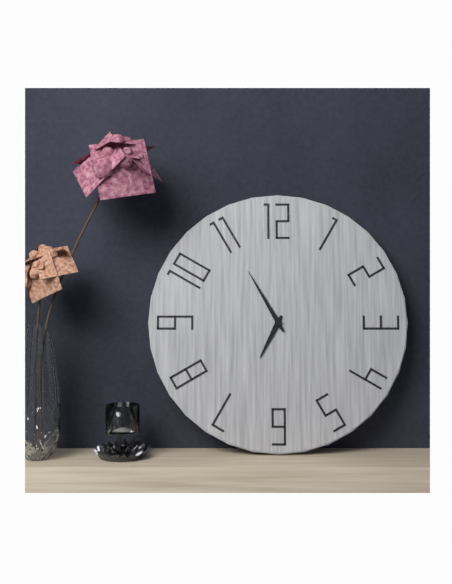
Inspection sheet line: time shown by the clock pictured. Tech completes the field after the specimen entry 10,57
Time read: 6,55
